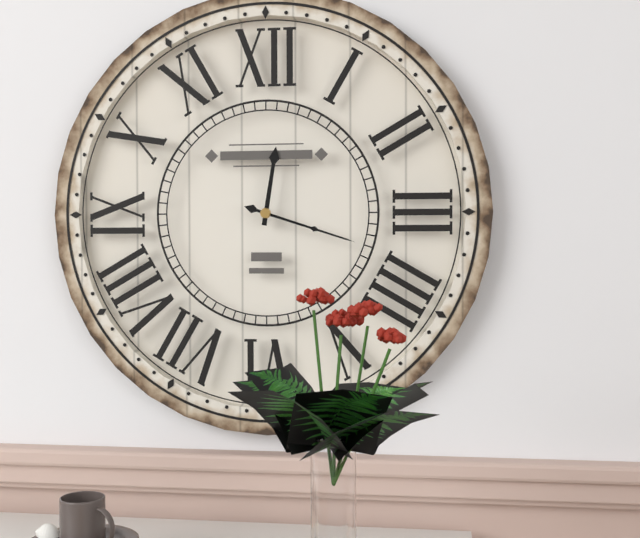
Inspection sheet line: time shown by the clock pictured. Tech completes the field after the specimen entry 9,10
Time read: 12,18
